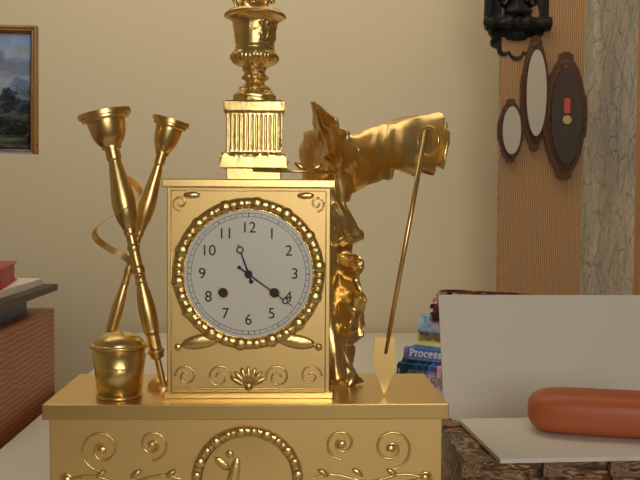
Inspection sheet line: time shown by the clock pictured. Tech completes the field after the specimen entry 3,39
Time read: 11,21
